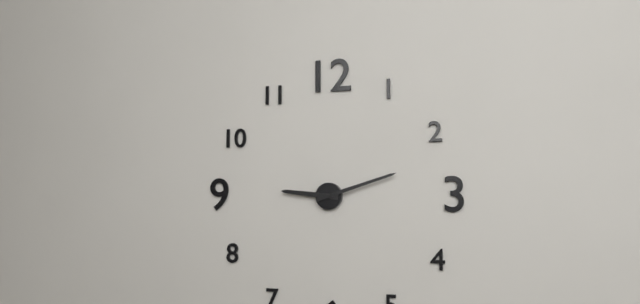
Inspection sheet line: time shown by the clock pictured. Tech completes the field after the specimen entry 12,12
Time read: 9,12
